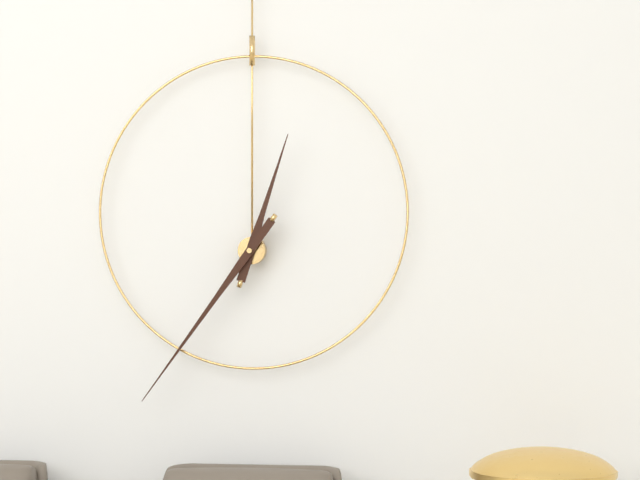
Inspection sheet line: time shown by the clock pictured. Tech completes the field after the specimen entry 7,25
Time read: 12,36
